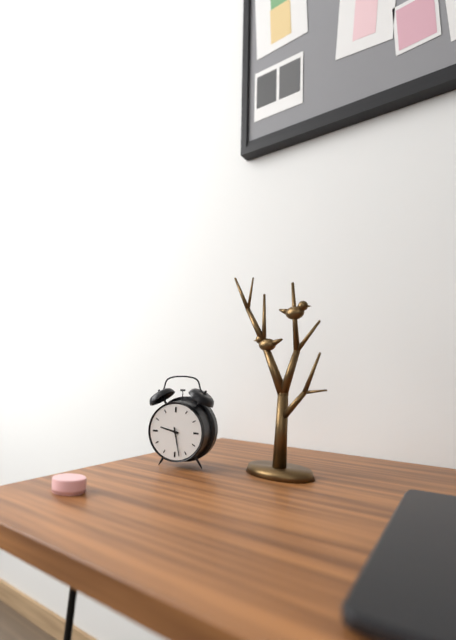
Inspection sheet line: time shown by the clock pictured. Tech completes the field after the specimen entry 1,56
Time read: 9,28
